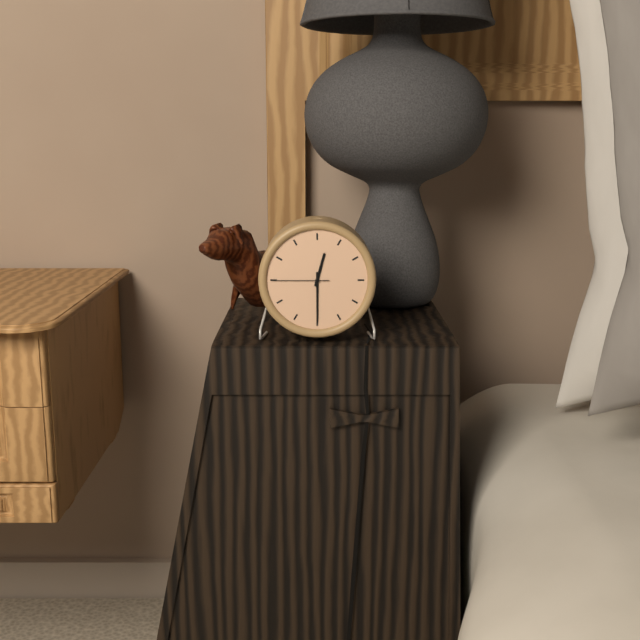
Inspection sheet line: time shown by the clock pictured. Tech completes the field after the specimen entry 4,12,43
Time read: 12,30,45
